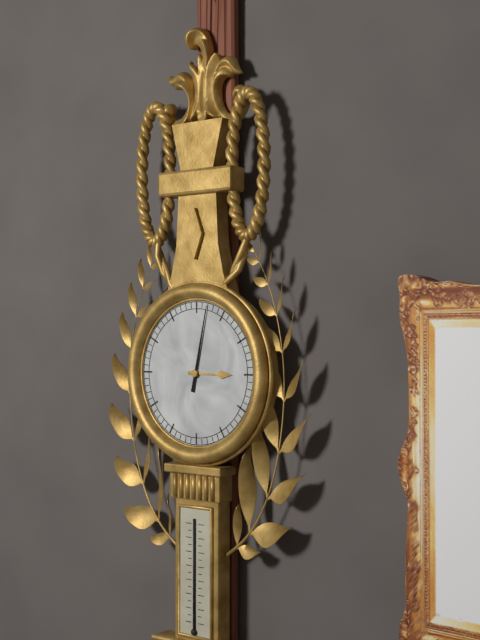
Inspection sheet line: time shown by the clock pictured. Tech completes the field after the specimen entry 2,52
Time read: 3,02
